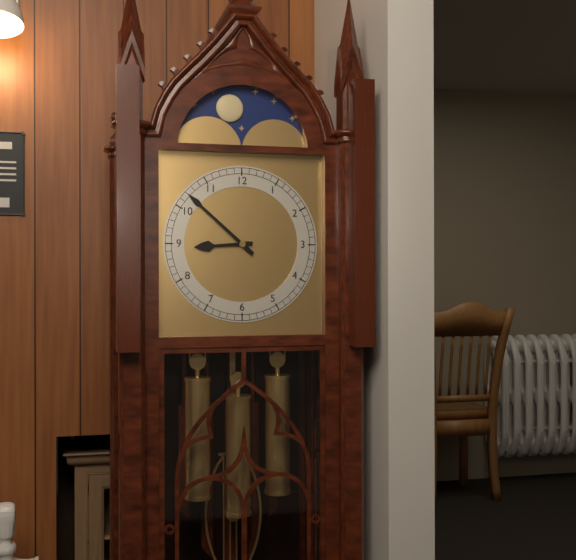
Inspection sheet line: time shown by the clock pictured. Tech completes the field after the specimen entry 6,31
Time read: 8,52
